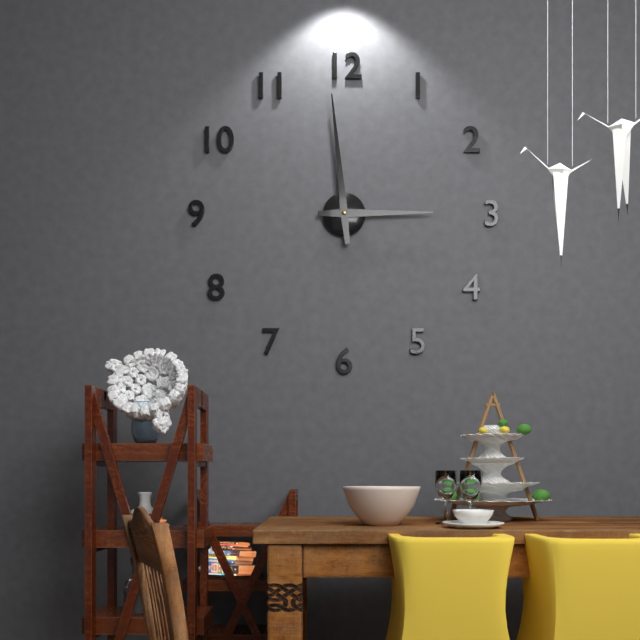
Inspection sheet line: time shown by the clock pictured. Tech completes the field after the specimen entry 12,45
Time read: 2,59
